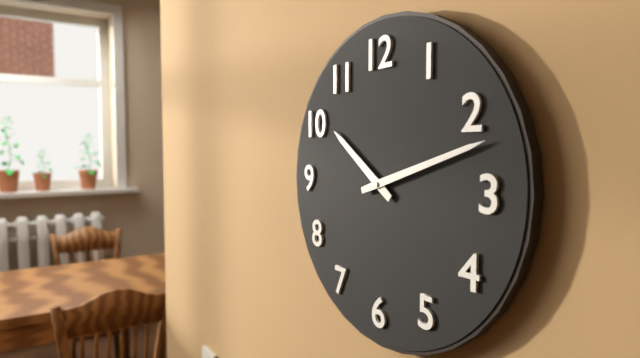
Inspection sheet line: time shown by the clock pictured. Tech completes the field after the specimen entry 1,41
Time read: 10,12
